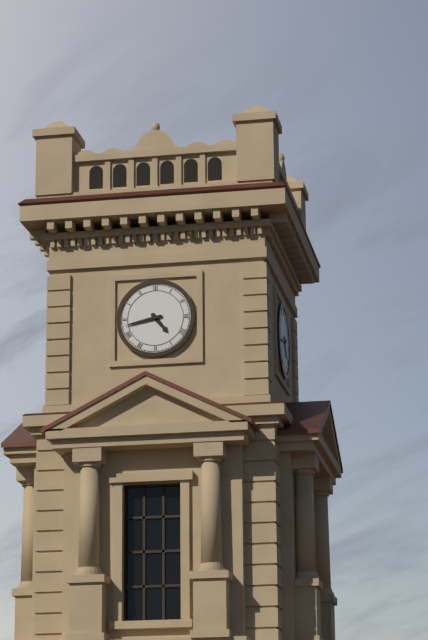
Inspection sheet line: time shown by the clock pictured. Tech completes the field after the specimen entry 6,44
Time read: 4,43
